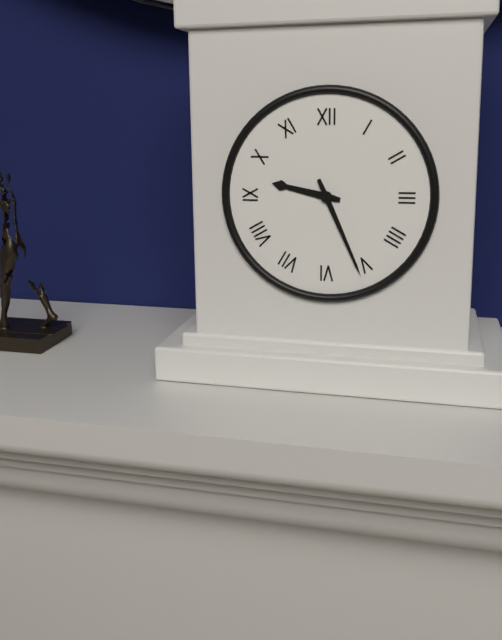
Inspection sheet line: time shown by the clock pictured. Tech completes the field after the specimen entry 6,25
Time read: 9,26
